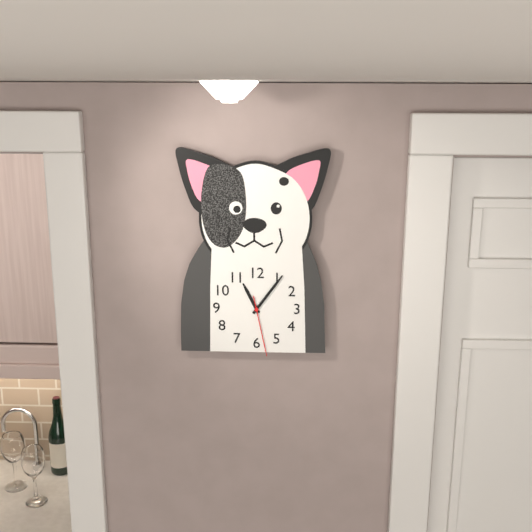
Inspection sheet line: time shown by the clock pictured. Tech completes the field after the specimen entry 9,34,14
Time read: 11,06,28
